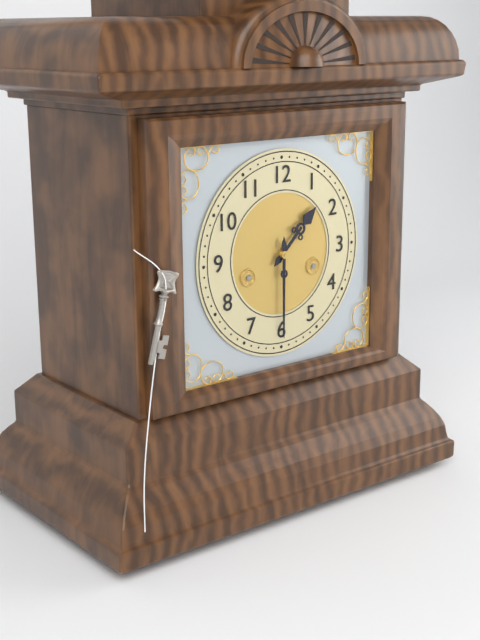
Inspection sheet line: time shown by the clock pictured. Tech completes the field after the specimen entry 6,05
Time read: 1,30
